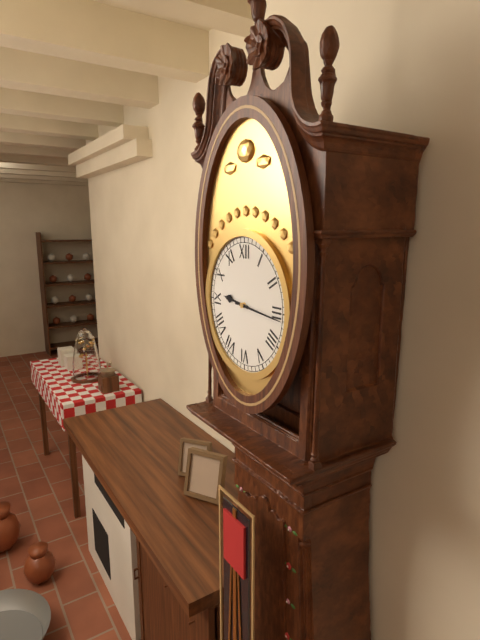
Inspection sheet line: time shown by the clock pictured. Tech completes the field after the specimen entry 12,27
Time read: 9,16
